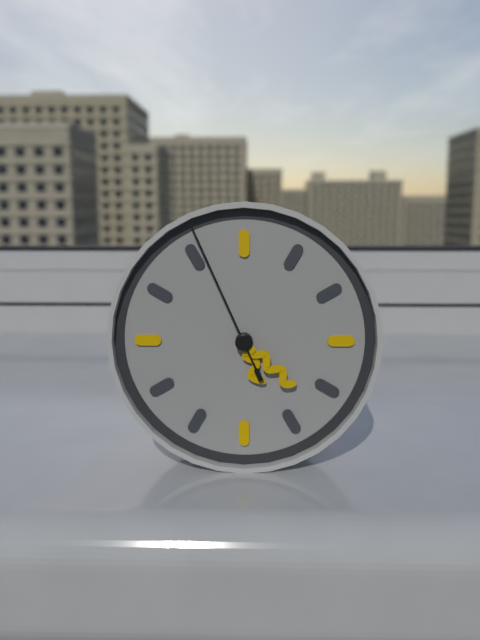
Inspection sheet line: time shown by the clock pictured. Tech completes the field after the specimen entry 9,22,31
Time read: 5,22,56
